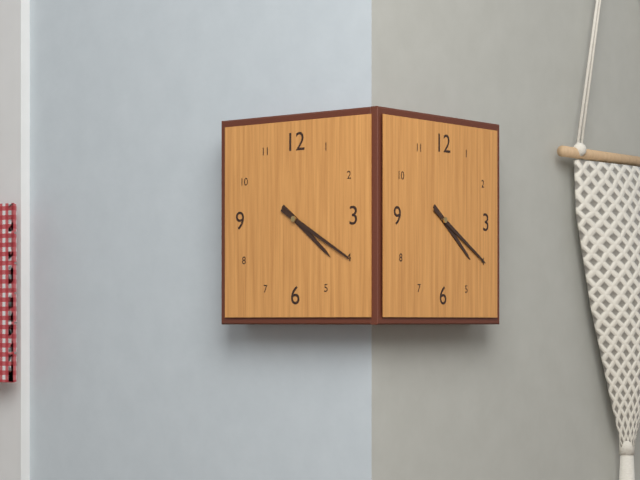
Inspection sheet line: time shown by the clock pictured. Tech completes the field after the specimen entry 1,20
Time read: 4,20
